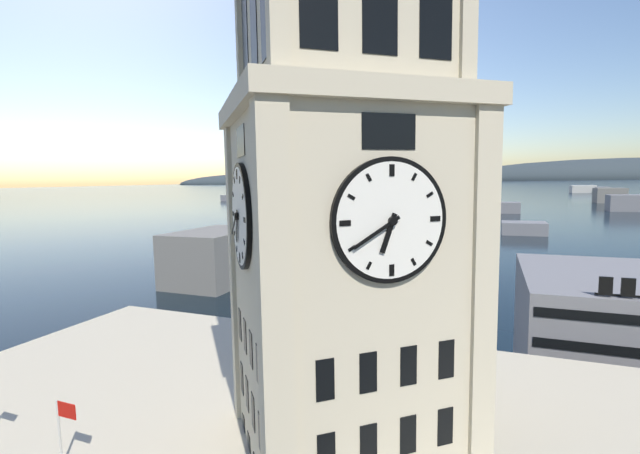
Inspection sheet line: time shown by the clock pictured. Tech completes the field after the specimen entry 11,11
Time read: 6,40
